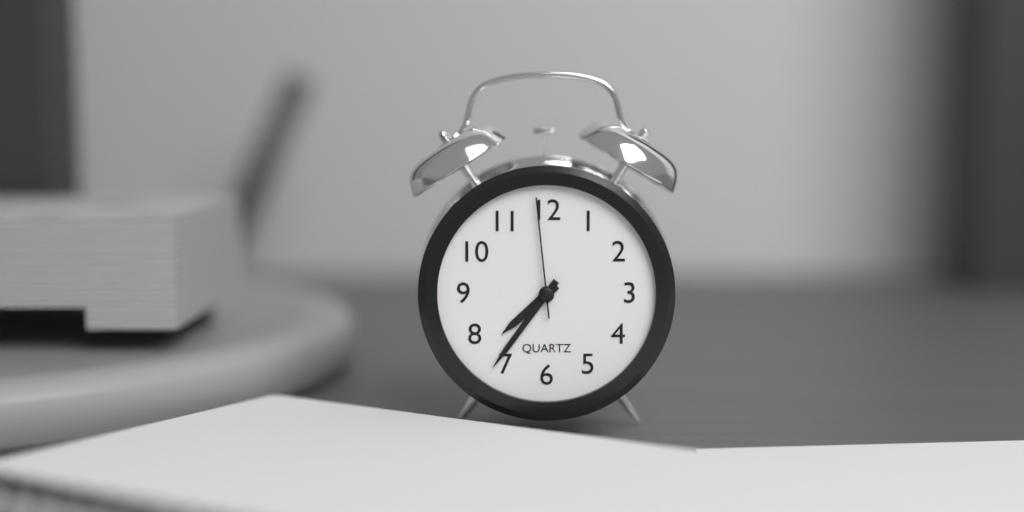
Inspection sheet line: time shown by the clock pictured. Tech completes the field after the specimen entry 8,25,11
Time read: 7,36,59
